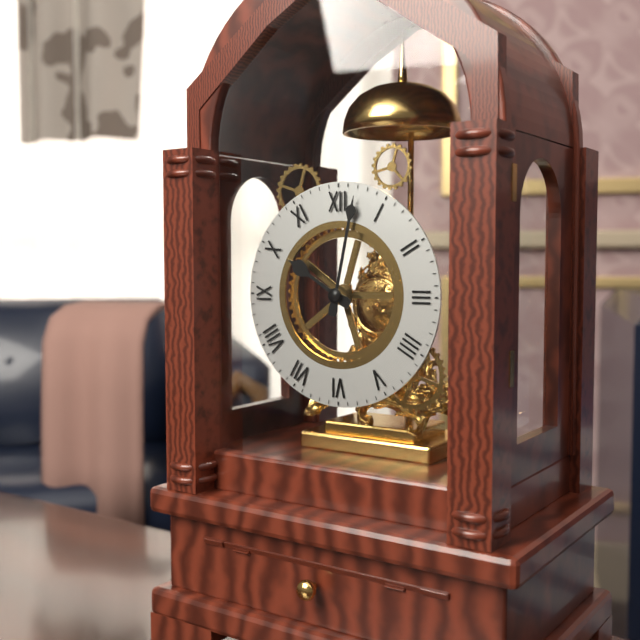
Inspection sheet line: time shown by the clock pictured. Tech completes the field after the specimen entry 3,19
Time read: 10,02
